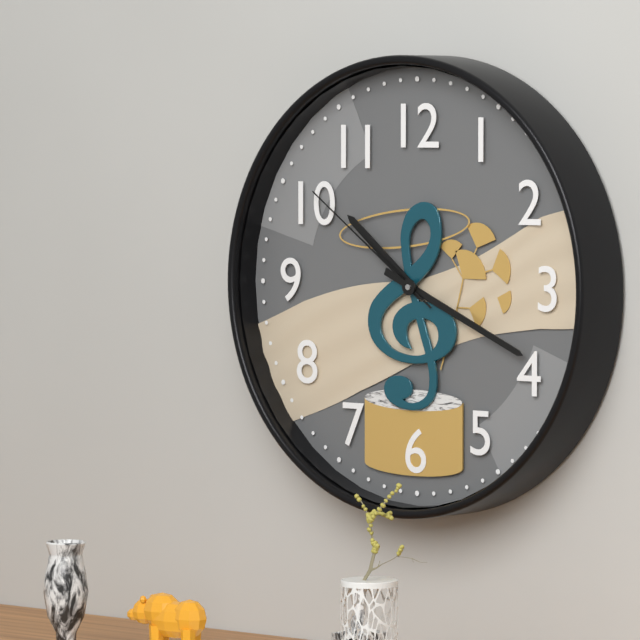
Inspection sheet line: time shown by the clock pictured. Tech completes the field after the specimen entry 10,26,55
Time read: 10,19,51
